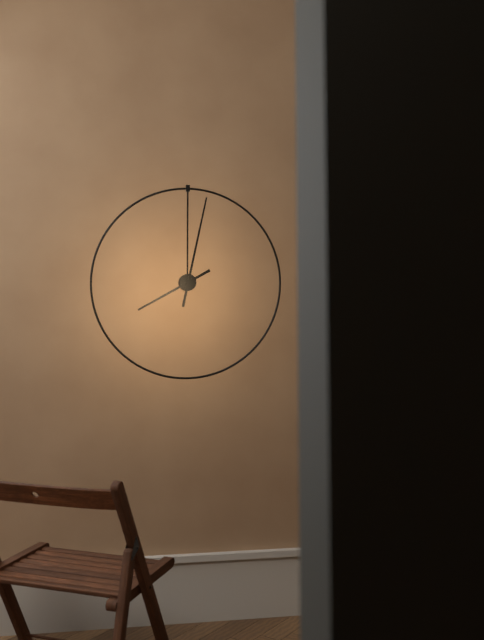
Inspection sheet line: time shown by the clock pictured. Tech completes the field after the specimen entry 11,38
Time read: 8,02
